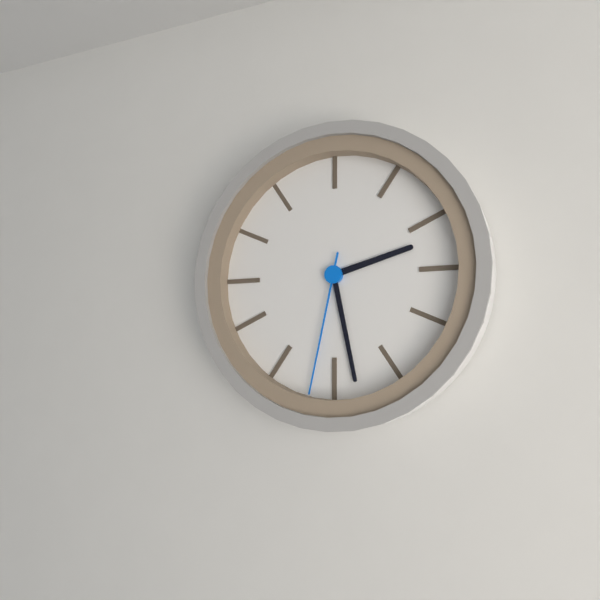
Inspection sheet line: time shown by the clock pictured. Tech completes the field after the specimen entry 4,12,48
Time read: 2,28,32
